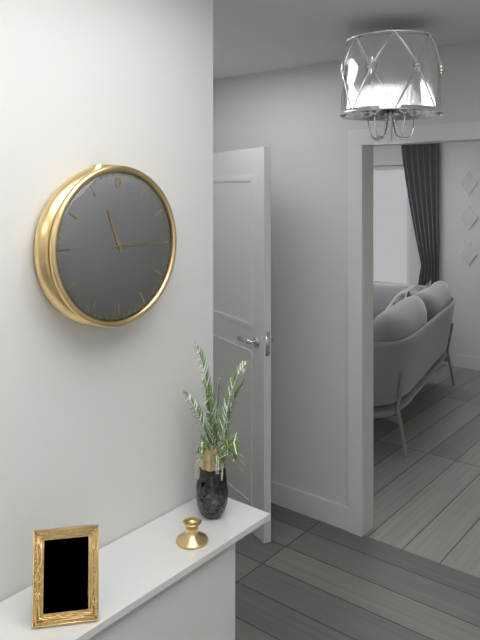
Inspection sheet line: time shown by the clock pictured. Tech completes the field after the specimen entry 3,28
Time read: 11,15
